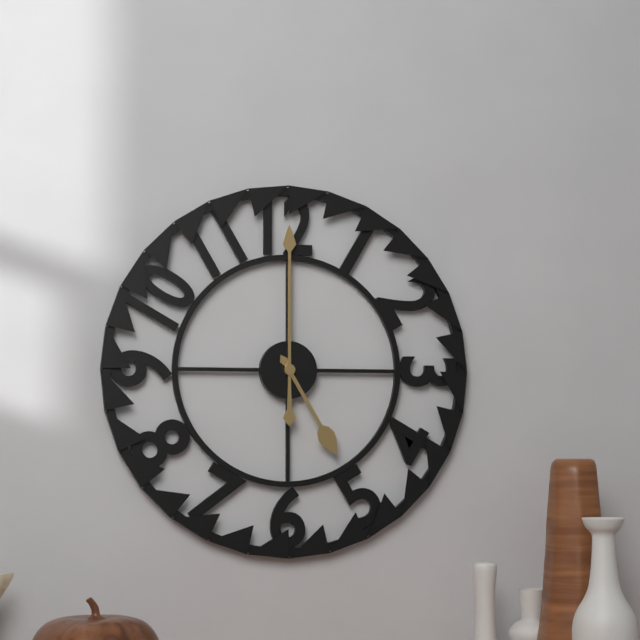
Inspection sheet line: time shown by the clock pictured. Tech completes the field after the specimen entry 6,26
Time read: 5,00
